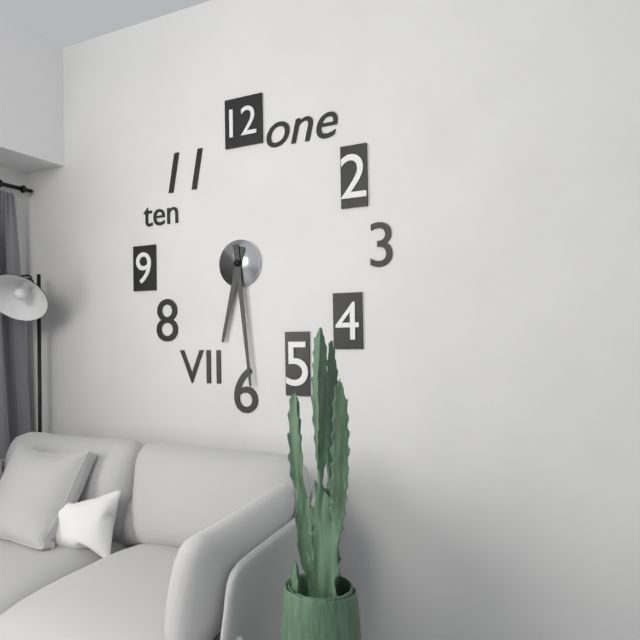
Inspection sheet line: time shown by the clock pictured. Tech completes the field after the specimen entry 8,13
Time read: 6,29
